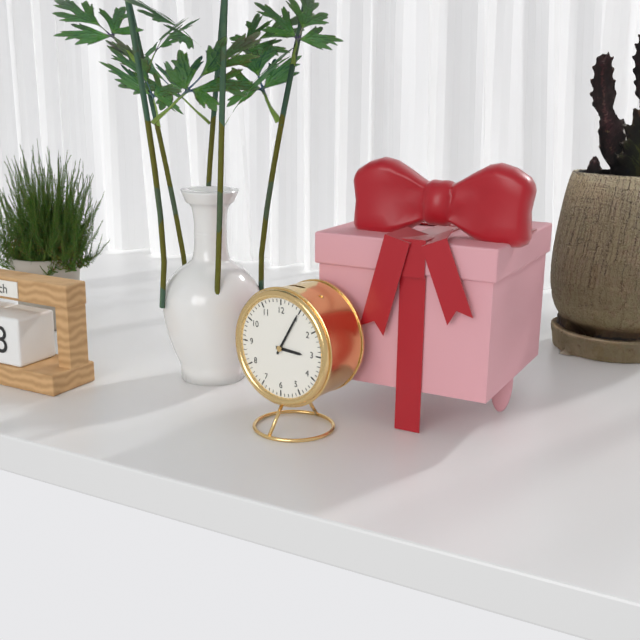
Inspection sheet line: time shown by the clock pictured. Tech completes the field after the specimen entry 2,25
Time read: 3,05
